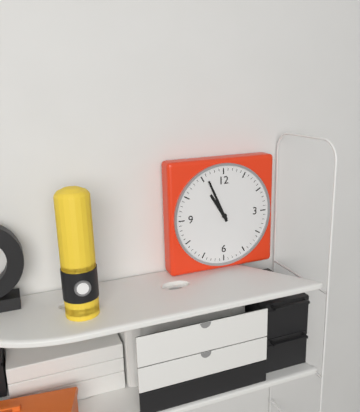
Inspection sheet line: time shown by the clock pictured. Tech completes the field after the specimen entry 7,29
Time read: 10,56
